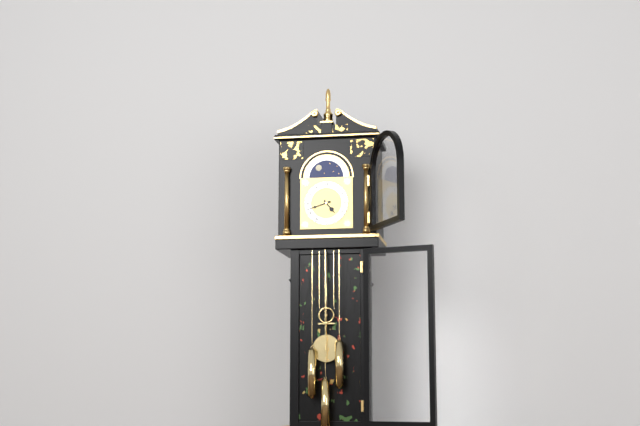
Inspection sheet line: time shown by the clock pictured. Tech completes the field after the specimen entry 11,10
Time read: 4,42
